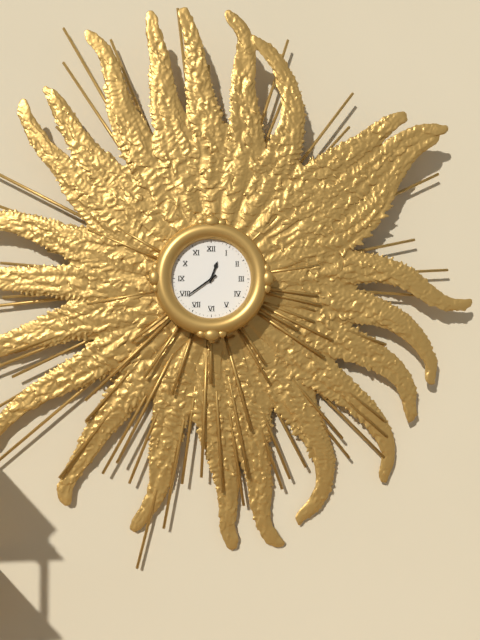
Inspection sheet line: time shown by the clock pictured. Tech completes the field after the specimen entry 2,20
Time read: 12,39
